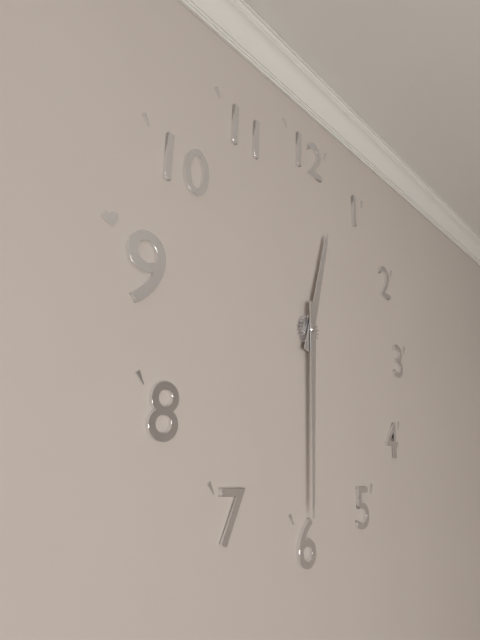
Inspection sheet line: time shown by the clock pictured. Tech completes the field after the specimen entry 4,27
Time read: 12,30
